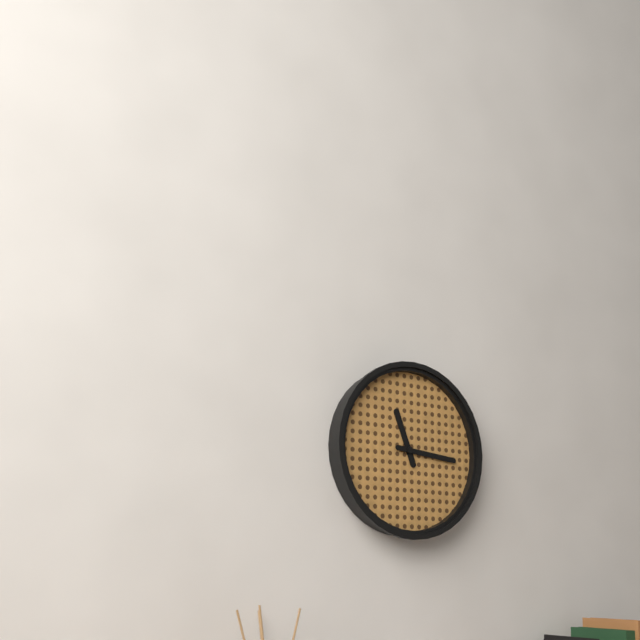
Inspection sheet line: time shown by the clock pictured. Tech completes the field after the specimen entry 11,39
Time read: 11,16
